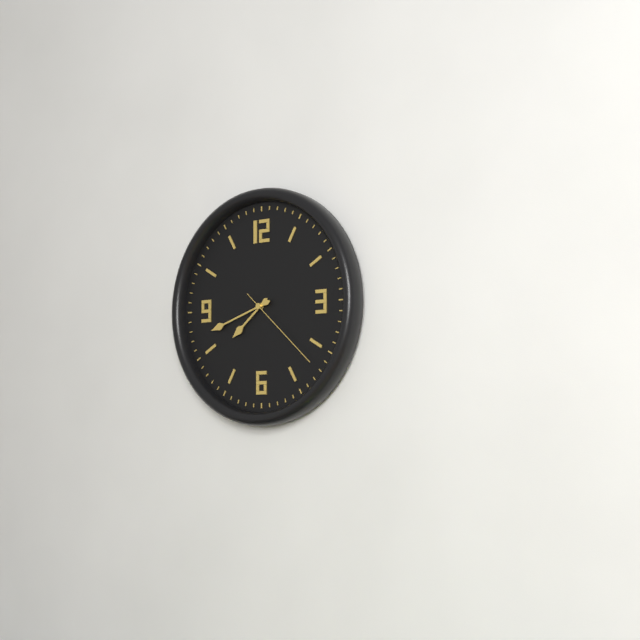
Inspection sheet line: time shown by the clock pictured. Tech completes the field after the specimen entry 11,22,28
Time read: 7,42,22
